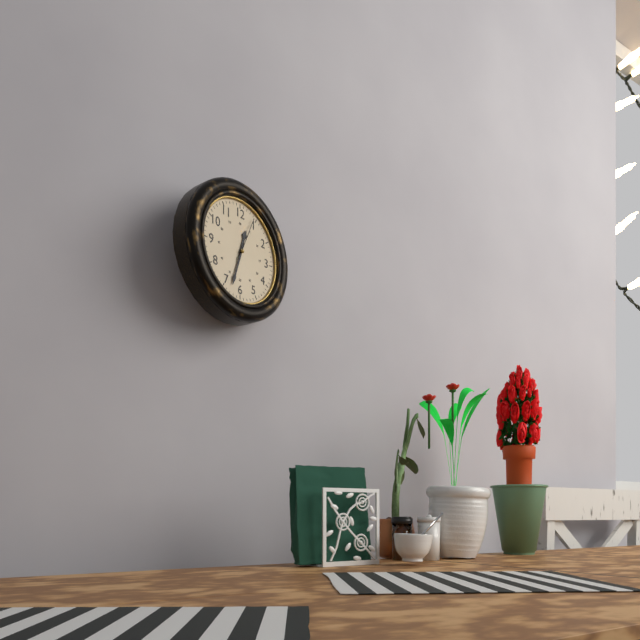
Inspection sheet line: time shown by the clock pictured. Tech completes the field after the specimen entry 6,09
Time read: 12,33
